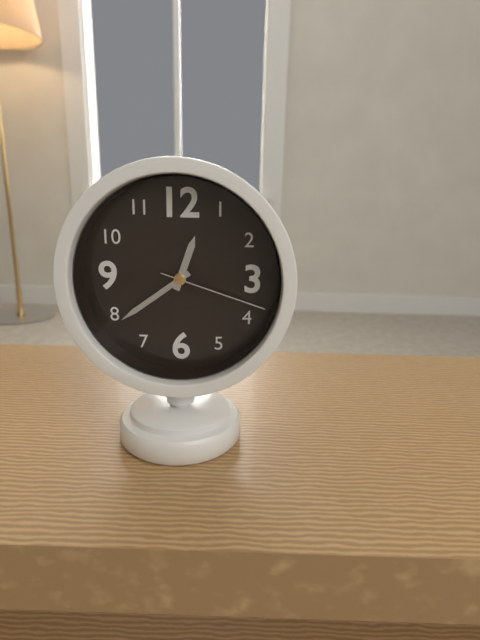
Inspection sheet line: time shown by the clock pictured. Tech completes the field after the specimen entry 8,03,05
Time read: 12,39,18
